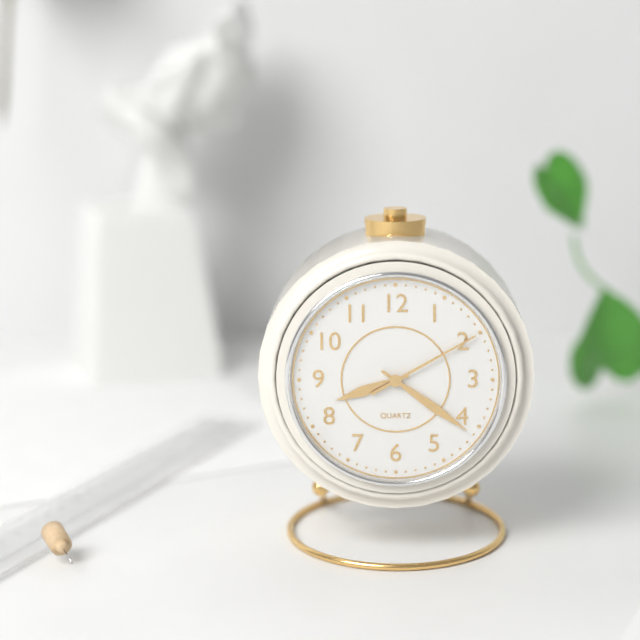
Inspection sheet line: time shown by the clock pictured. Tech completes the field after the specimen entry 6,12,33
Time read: 8,21,10
